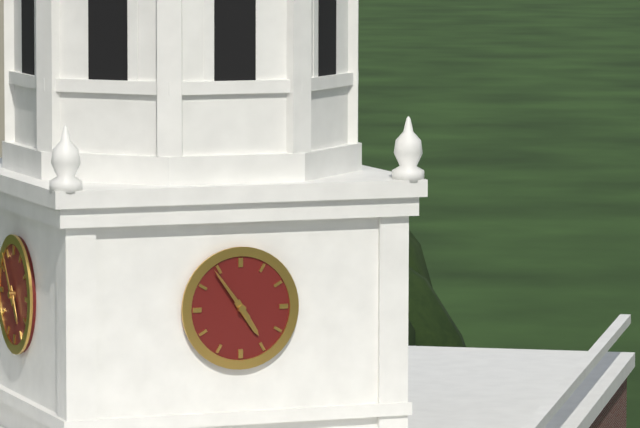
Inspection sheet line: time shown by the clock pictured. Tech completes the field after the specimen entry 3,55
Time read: 4,54
